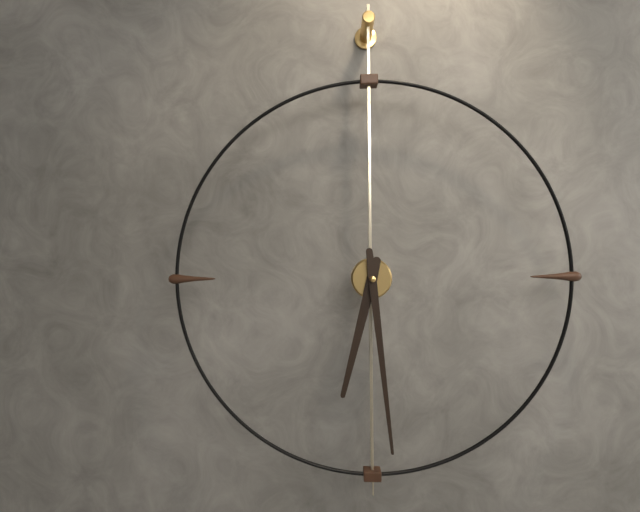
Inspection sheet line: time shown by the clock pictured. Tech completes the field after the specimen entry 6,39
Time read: 6,29
